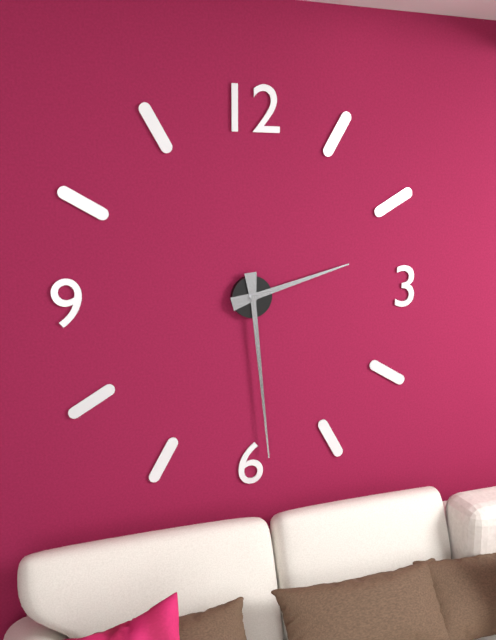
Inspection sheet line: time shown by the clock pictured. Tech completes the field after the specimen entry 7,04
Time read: 2,29
